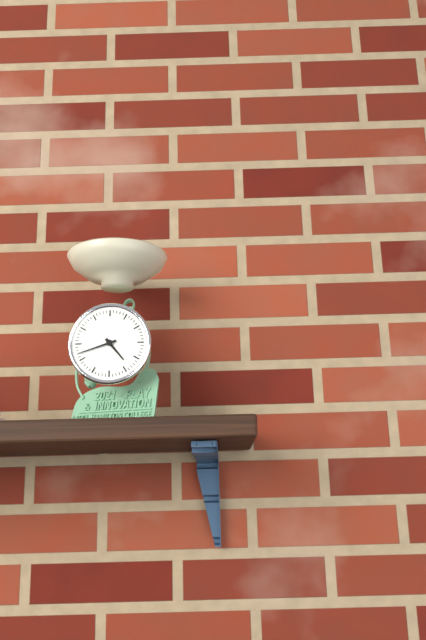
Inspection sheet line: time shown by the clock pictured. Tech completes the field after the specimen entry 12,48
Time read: 4,42
